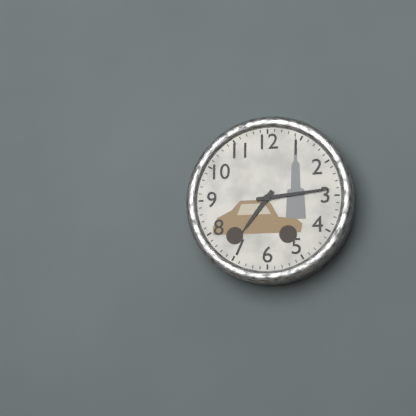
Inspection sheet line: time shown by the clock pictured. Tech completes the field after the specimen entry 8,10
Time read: 7,14
